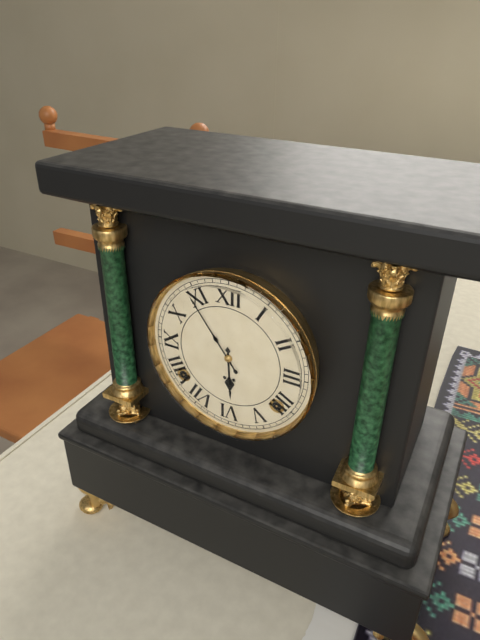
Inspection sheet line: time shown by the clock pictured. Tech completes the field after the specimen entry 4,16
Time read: 5,54
